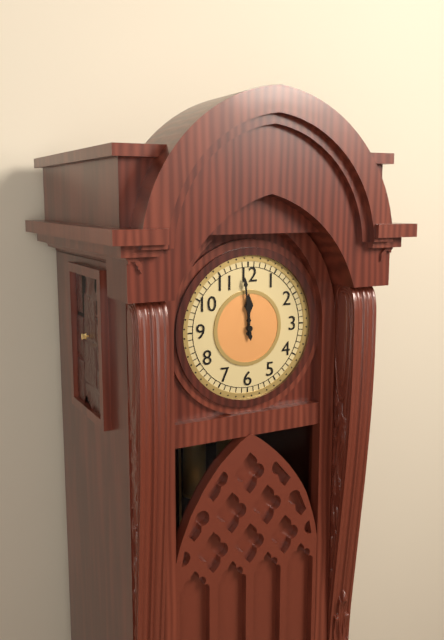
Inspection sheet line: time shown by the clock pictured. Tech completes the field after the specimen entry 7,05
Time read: 11,59
